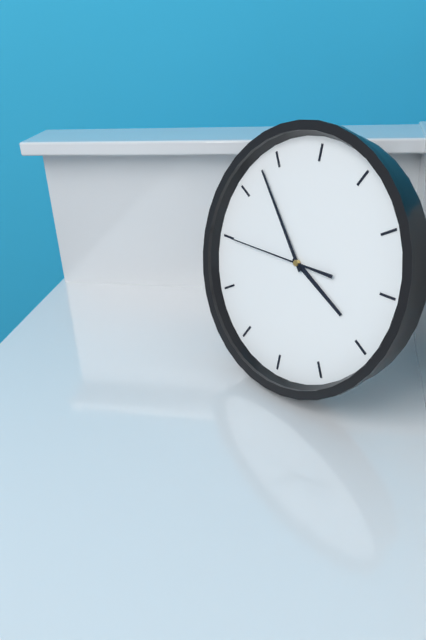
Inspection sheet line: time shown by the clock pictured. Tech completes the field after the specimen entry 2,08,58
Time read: 3,53,45
